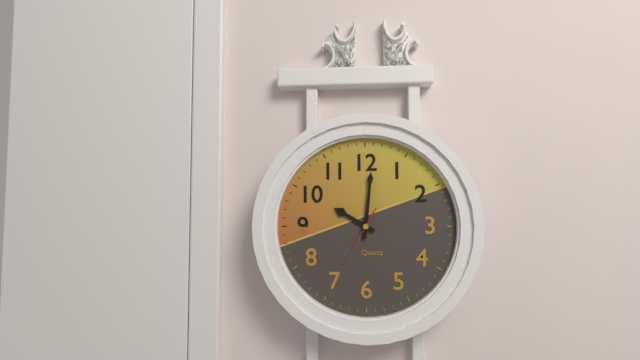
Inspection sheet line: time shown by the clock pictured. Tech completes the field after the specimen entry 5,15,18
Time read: 10,01,35
